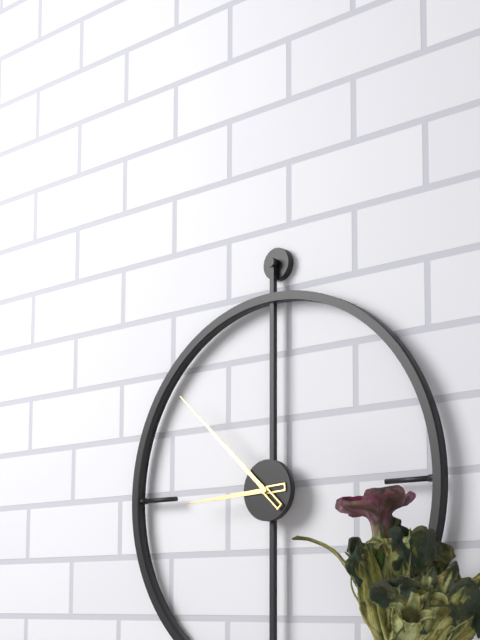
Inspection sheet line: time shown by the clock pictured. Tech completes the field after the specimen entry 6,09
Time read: 8,52
